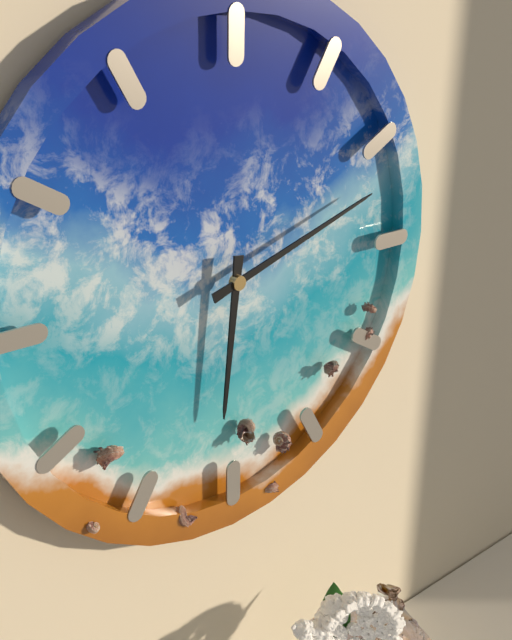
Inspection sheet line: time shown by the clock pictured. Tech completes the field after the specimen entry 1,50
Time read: 6,12
